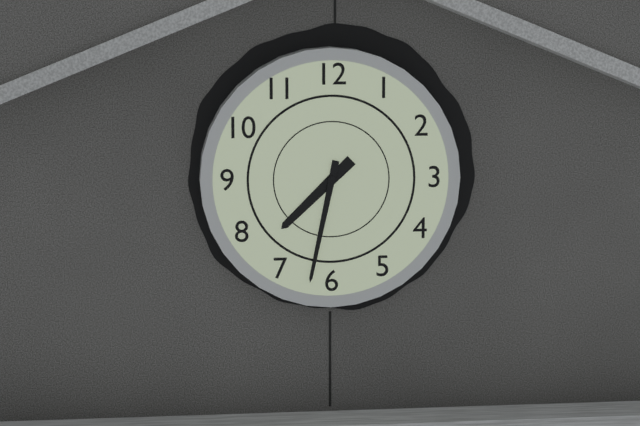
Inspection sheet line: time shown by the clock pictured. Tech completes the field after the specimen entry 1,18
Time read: 7,32
